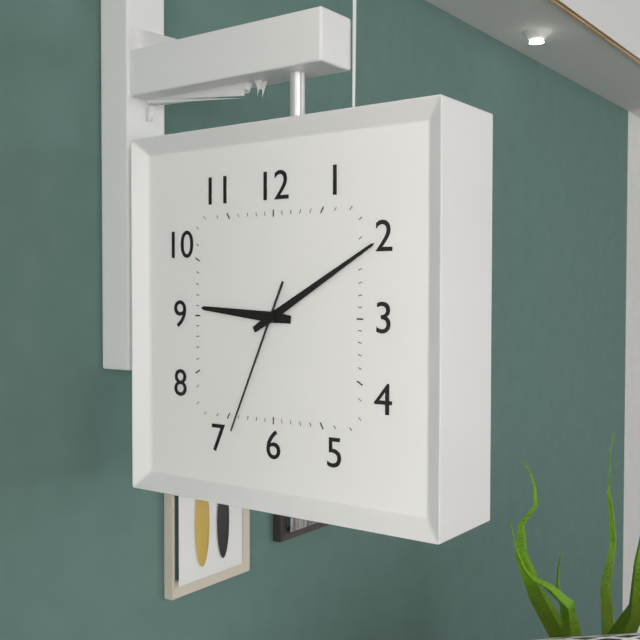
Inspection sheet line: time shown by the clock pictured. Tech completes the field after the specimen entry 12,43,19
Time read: 9,10,34
